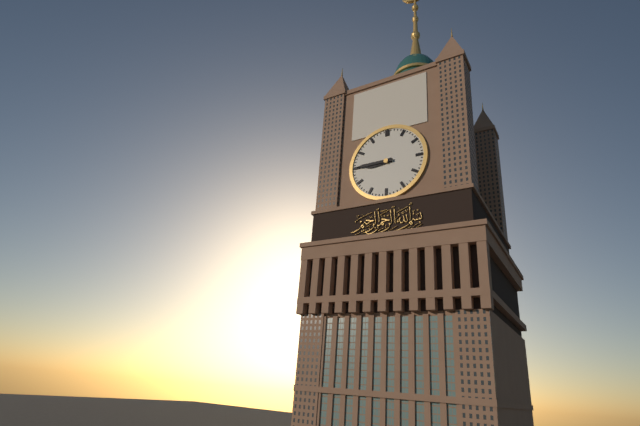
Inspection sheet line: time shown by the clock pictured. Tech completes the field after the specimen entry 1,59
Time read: 8,45
